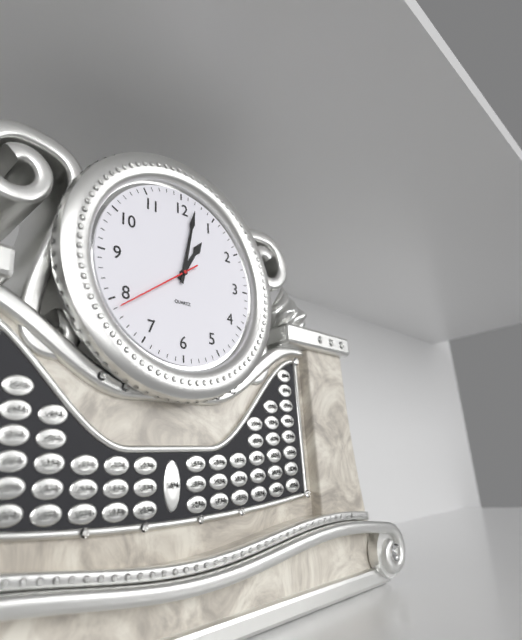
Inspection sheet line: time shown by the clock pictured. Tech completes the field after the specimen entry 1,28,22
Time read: 1,02,39
